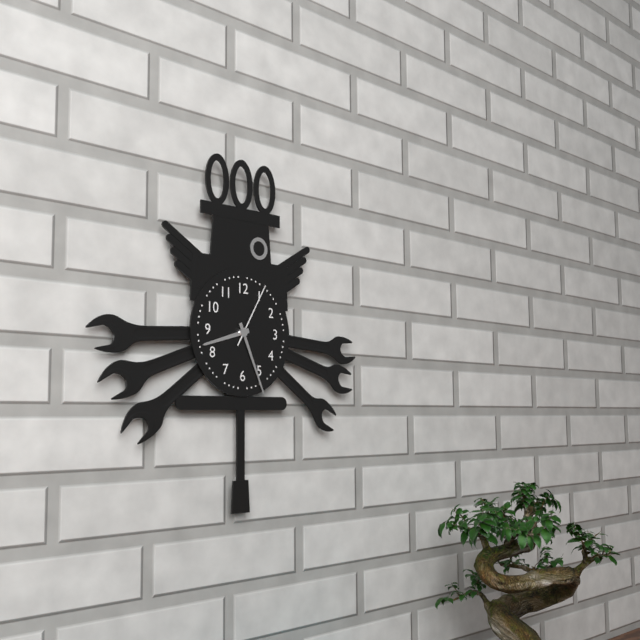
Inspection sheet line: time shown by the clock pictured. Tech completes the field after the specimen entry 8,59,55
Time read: 8,26,05
